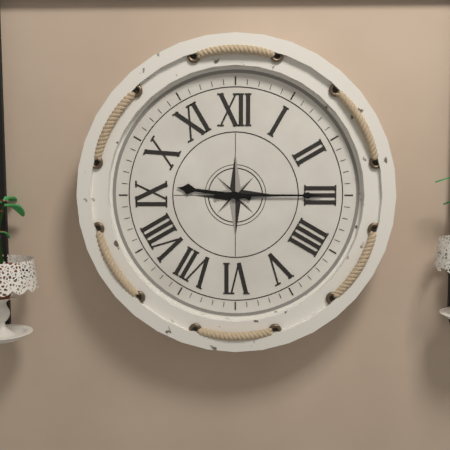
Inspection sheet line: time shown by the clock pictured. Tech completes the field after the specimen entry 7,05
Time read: 9,15
